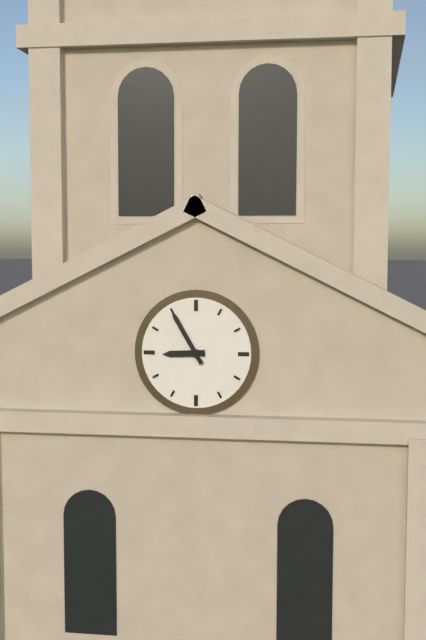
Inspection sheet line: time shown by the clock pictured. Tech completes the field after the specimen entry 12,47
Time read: 8,55
